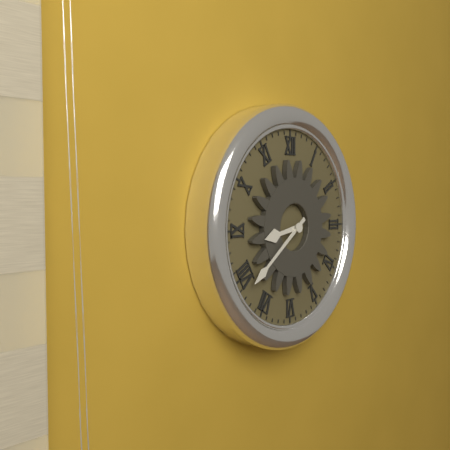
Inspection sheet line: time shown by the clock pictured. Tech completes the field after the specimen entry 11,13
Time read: 8,39
